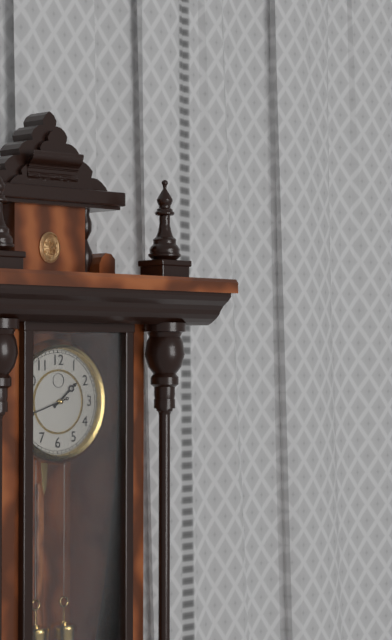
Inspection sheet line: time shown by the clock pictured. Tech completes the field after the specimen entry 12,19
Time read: 1,42
